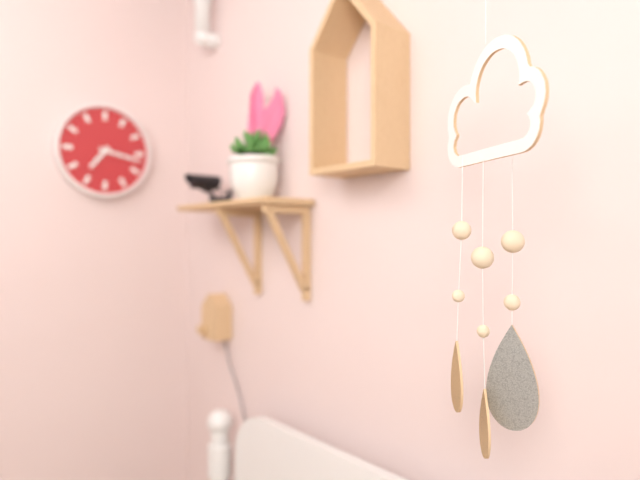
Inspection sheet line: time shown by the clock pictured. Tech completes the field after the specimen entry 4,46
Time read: 7,17
